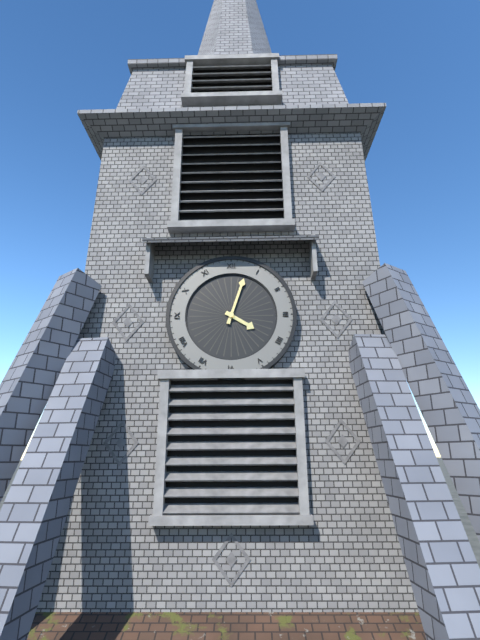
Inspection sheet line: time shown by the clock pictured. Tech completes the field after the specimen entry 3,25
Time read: 4,03
